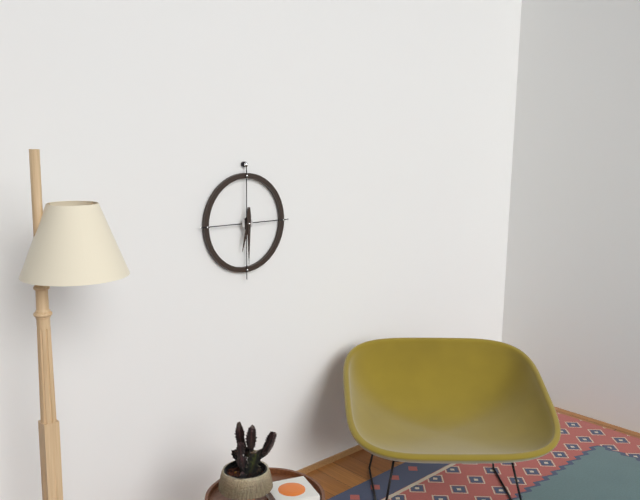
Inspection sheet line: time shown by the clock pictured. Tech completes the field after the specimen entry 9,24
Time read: 6,30
